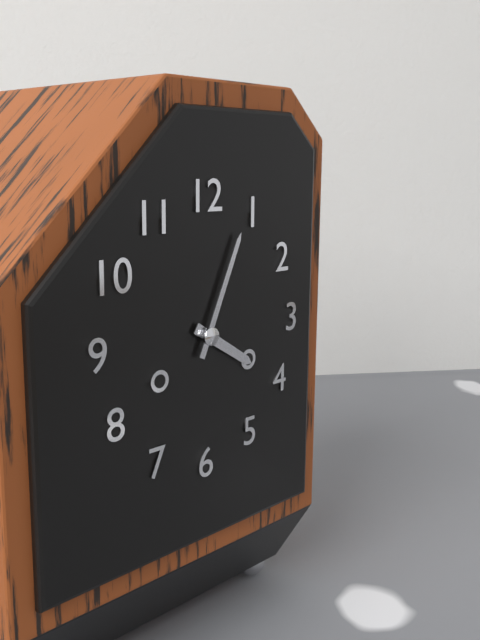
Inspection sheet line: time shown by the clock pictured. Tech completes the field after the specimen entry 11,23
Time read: 4,04
